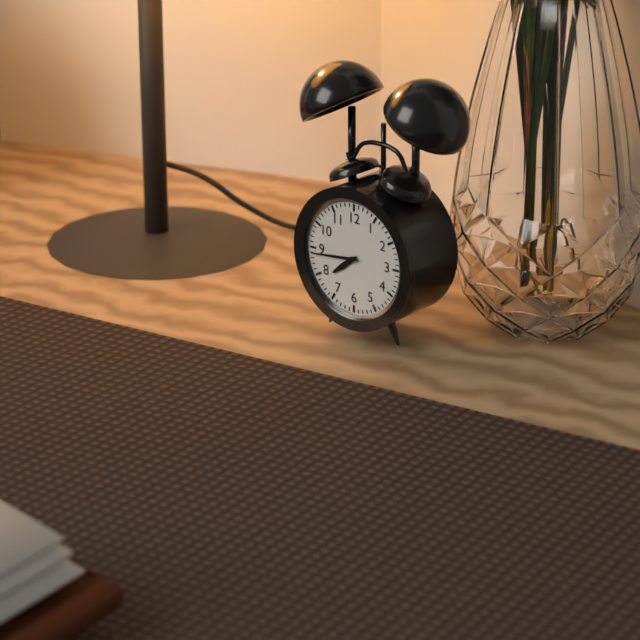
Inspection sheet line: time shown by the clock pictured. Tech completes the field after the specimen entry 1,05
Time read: 7,44
